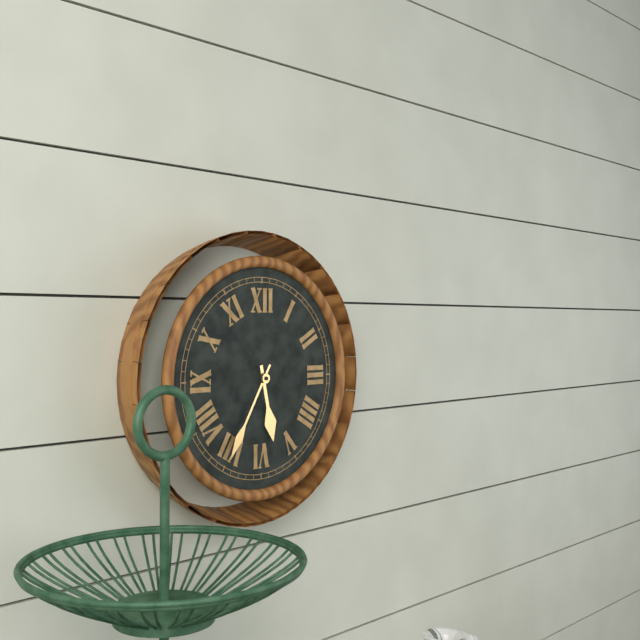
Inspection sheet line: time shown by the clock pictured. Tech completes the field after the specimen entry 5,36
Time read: 5,35
